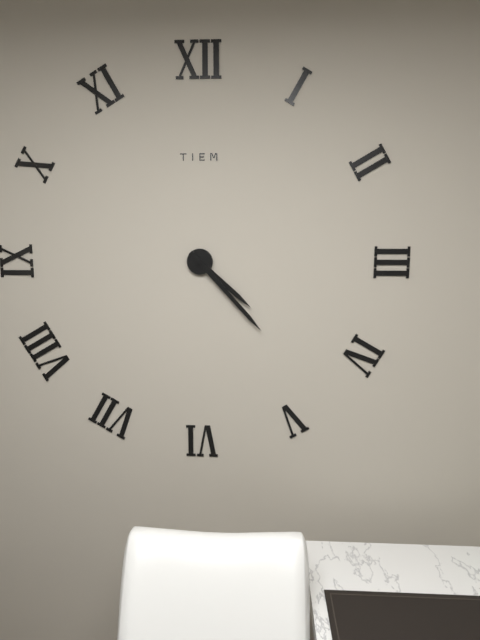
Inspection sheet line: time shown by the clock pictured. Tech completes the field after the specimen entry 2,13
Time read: 4,23
